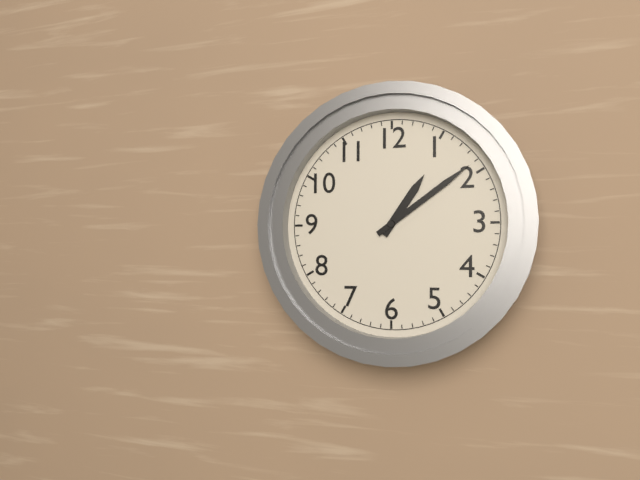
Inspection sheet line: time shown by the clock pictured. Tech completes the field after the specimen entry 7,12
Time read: 1,09
